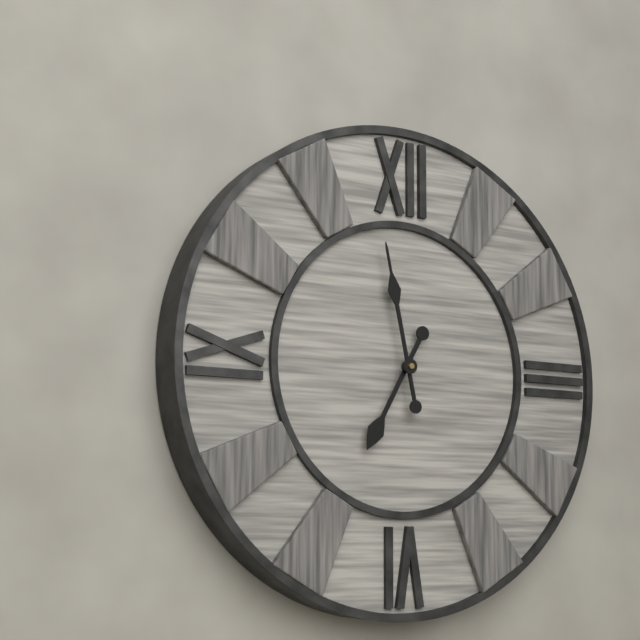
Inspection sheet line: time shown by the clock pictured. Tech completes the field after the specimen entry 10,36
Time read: 6,58
